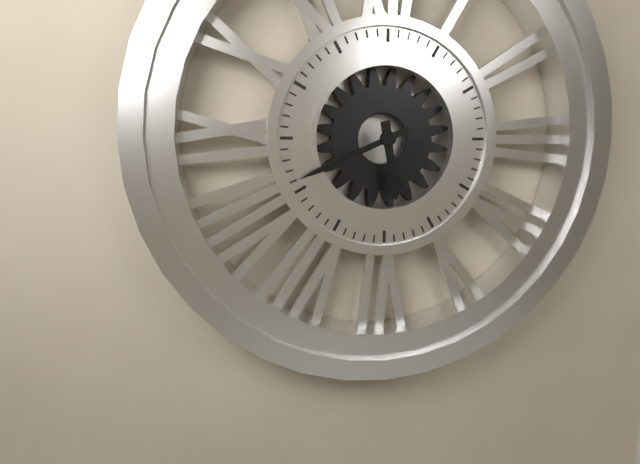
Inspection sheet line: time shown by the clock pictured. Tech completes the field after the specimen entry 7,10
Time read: 5,41
